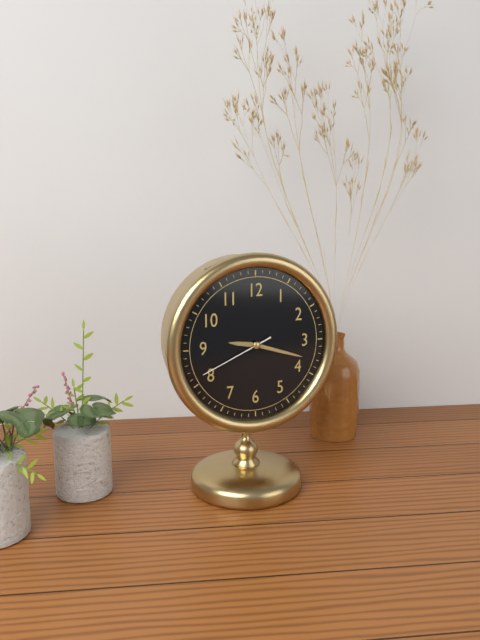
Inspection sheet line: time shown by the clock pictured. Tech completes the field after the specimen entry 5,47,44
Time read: 9,18,41
